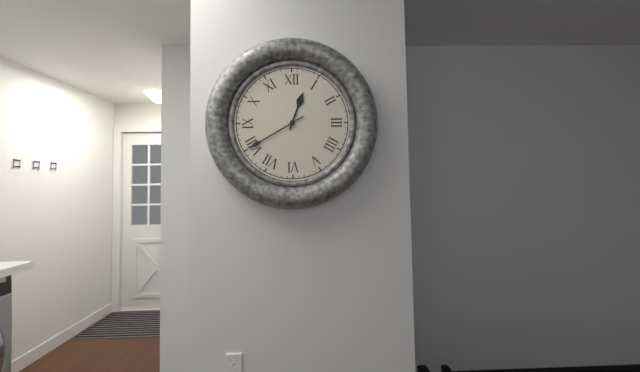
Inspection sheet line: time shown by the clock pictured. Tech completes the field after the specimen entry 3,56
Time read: 12,40
